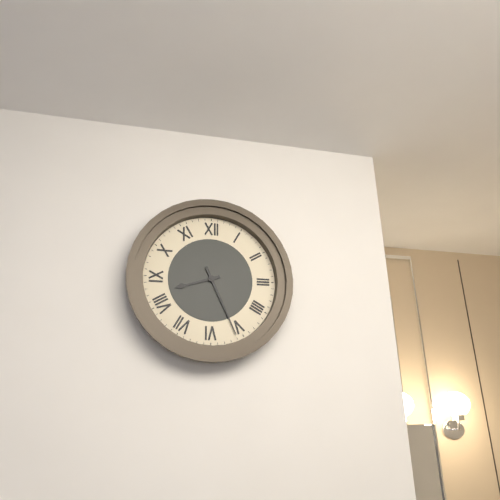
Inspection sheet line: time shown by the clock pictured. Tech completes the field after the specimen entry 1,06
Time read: 8,26
